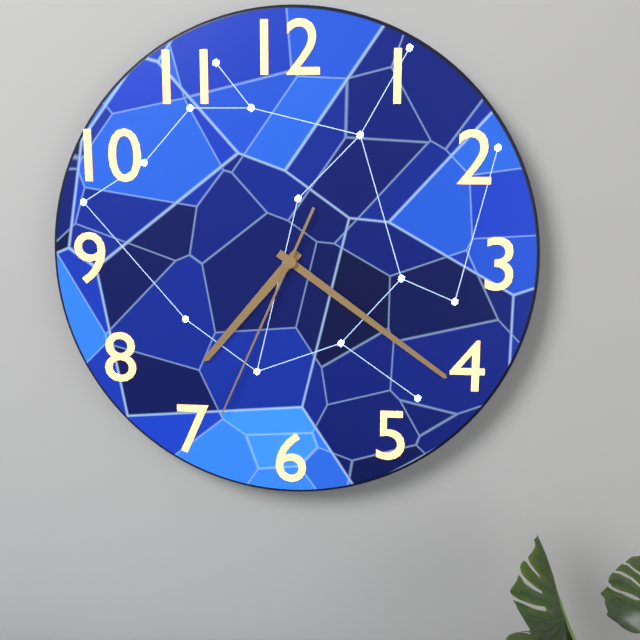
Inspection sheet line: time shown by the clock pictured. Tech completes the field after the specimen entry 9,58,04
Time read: 7,21,34
